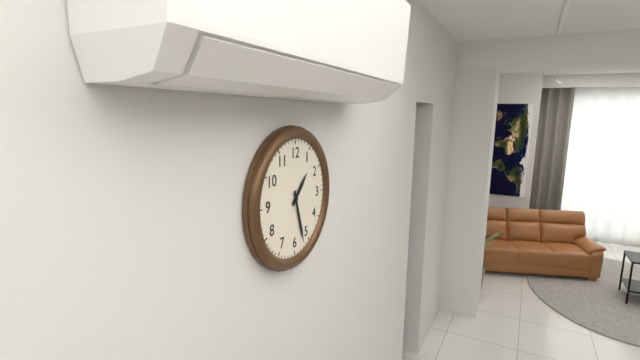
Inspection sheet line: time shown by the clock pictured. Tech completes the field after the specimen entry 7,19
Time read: 1,27
